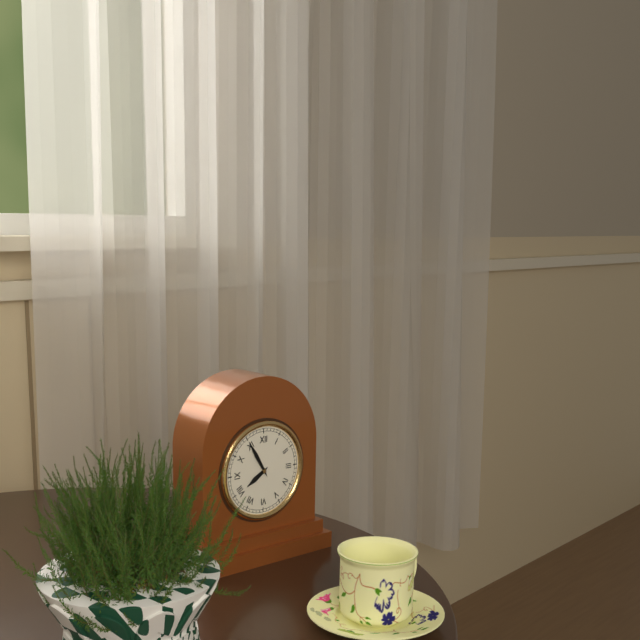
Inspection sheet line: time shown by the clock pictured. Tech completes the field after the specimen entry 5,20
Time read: 7,55
